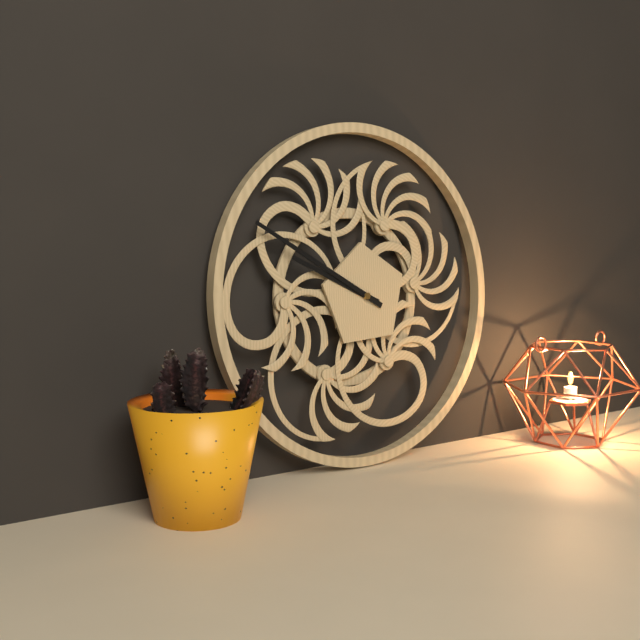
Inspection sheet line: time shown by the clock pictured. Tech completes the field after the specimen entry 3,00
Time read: 9,50
